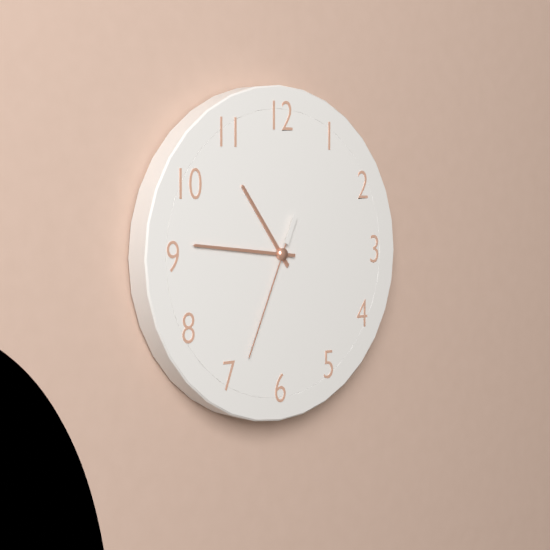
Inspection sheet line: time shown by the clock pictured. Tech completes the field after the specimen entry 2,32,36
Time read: 10,46,34
